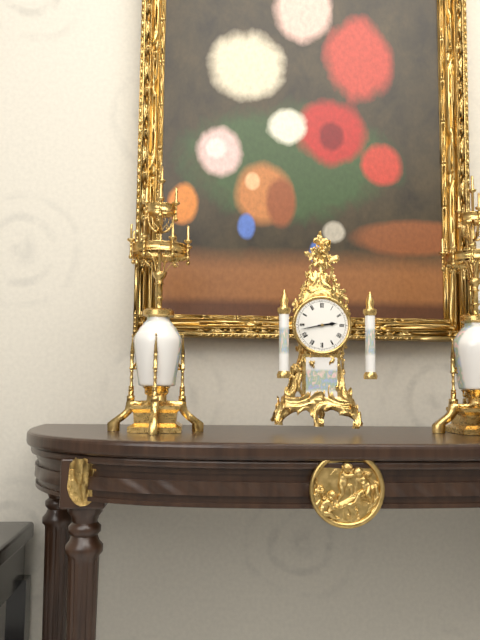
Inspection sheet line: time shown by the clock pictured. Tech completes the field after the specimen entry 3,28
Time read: 2,43
